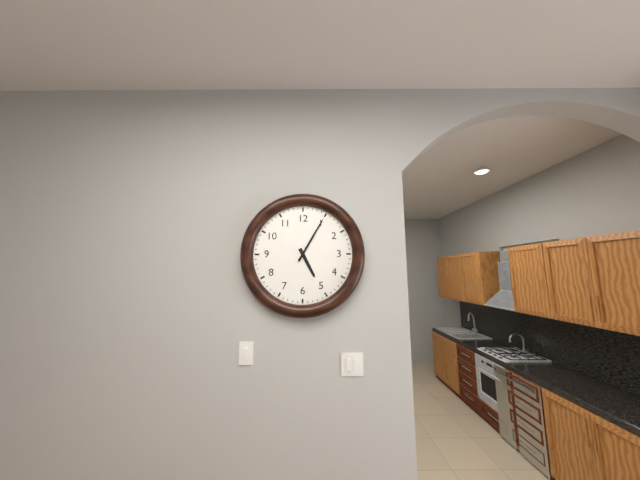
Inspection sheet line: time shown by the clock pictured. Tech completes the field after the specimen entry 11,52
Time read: 5,05
